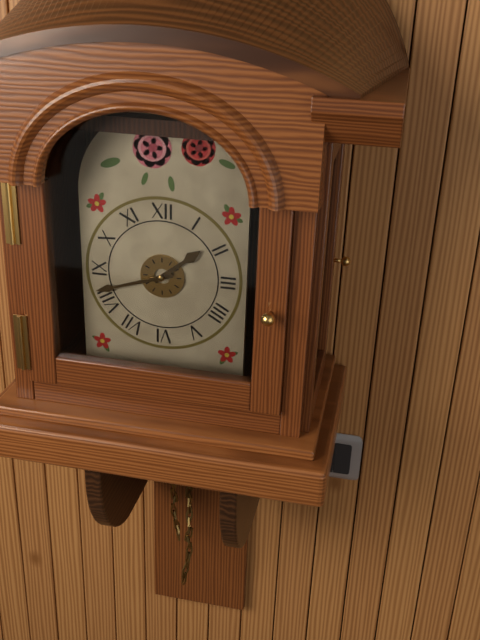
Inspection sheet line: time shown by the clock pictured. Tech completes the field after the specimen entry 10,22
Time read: 1,42
